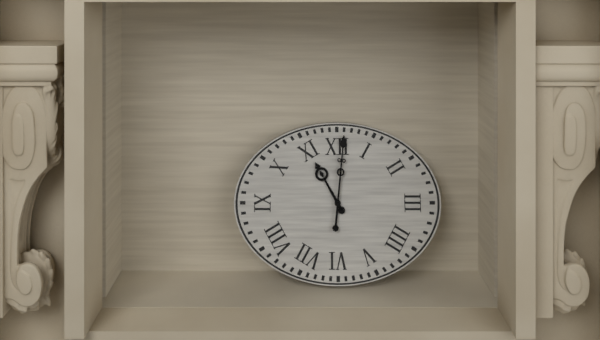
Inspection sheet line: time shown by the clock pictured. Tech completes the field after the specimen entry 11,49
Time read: 11,01
